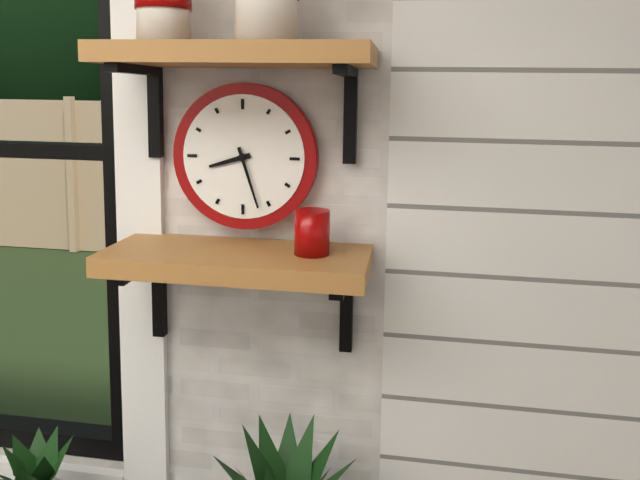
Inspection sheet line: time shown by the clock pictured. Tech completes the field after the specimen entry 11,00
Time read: 8,27
